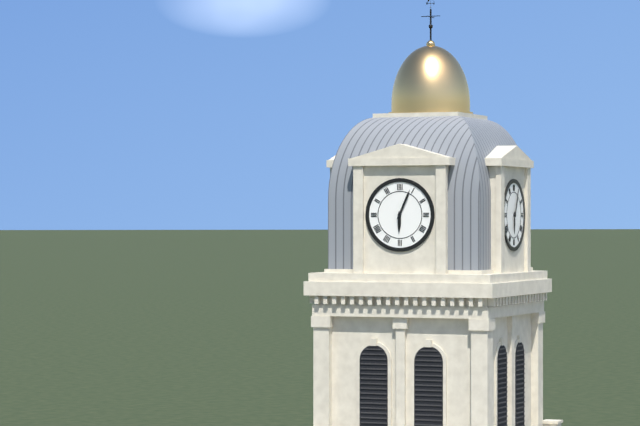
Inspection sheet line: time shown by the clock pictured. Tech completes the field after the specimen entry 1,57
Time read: 6,04
